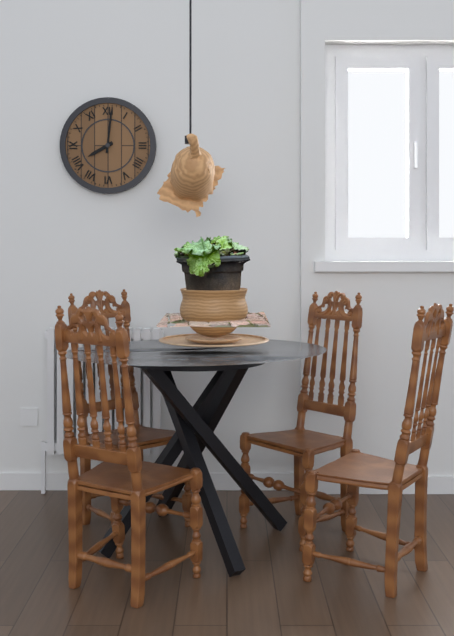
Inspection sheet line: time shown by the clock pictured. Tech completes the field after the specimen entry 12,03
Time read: 8,01
